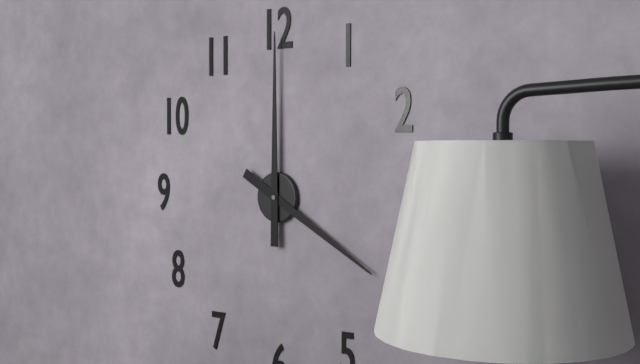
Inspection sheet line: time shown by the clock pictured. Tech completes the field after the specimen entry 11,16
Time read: 4,00
